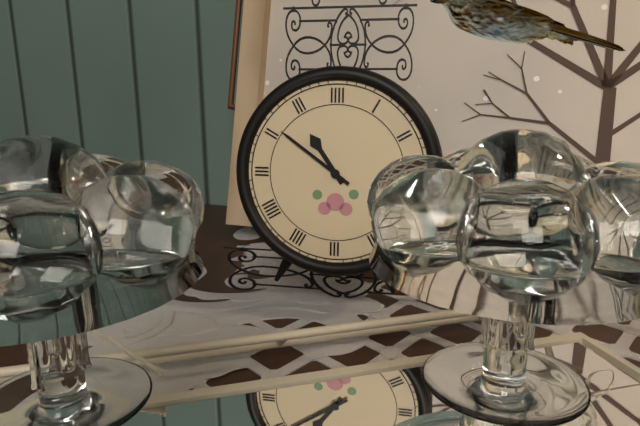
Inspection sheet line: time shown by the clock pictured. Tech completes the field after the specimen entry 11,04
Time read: 10,51
